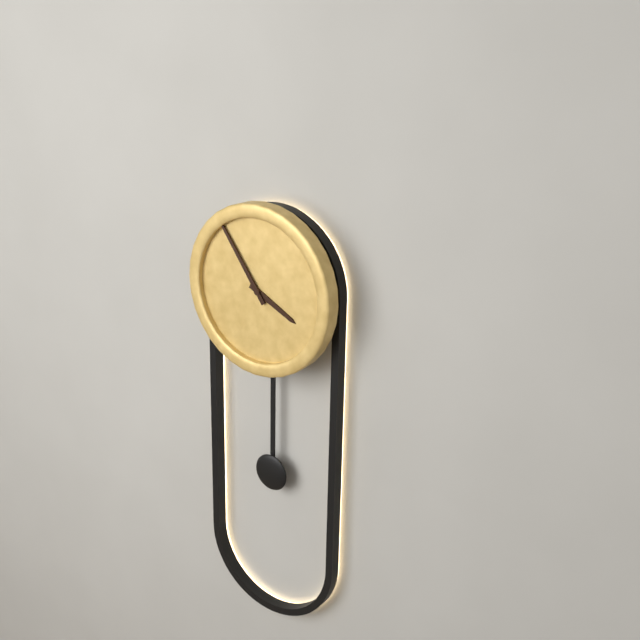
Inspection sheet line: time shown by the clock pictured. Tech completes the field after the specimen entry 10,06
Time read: 3,54
